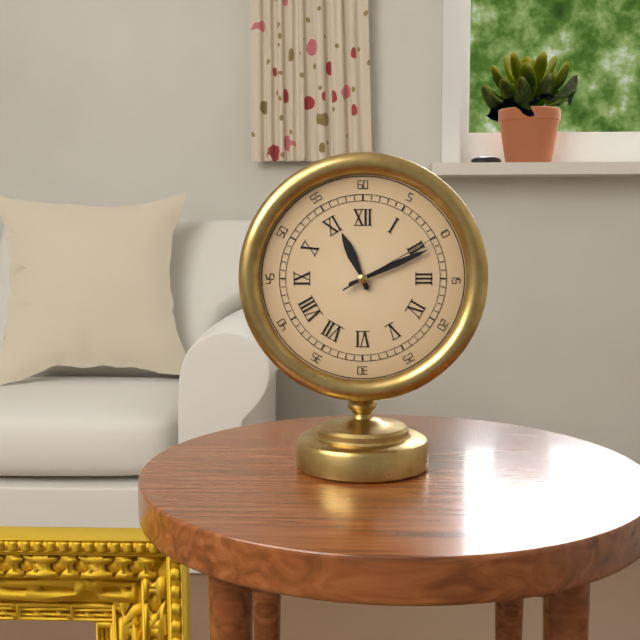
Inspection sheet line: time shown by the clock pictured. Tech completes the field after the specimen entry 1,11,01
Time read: 11,11,10
